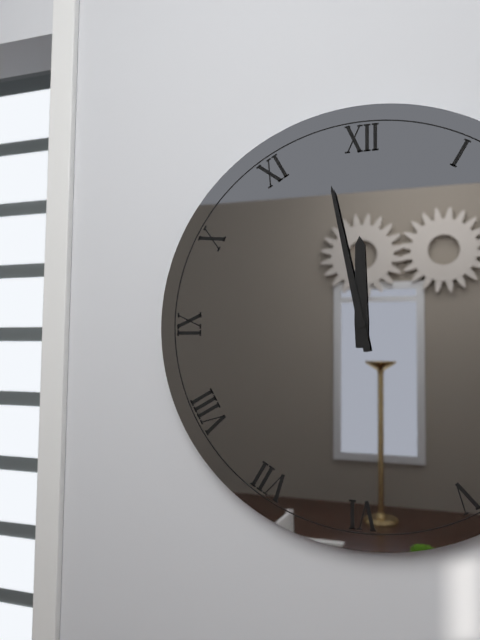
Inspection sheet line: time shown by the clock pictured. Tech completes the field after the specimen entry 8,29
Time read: 11,58
